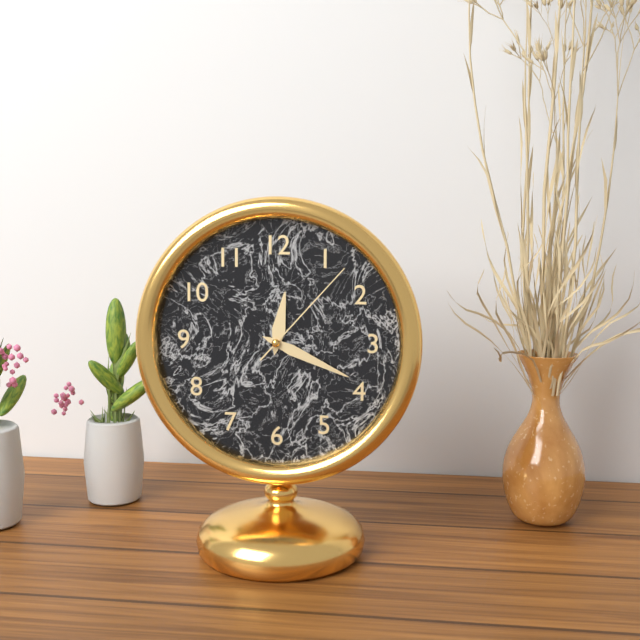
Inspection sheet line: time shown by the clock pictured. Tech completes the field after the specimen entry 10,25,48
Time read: 12,19,07
